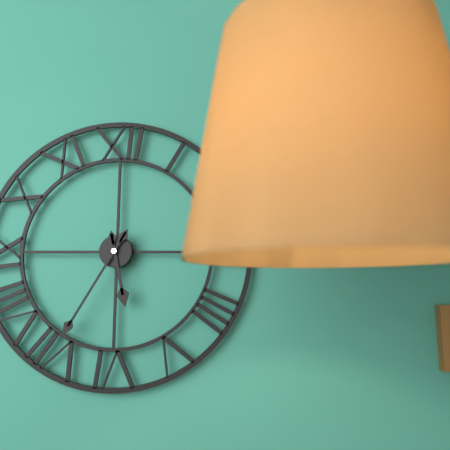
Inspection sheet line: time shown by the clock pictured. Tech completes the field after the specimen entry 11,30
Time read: 5,35
